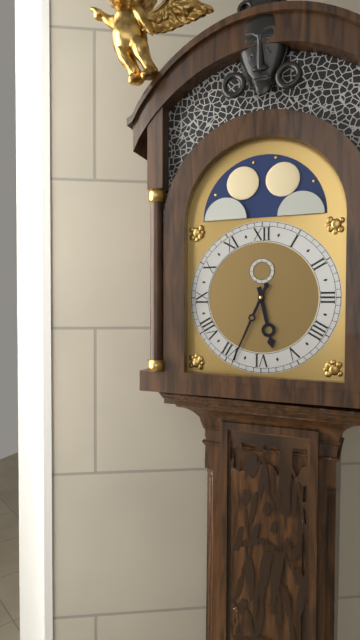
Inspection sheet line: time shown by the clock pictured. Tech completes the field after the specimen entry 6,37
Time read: 5,34
